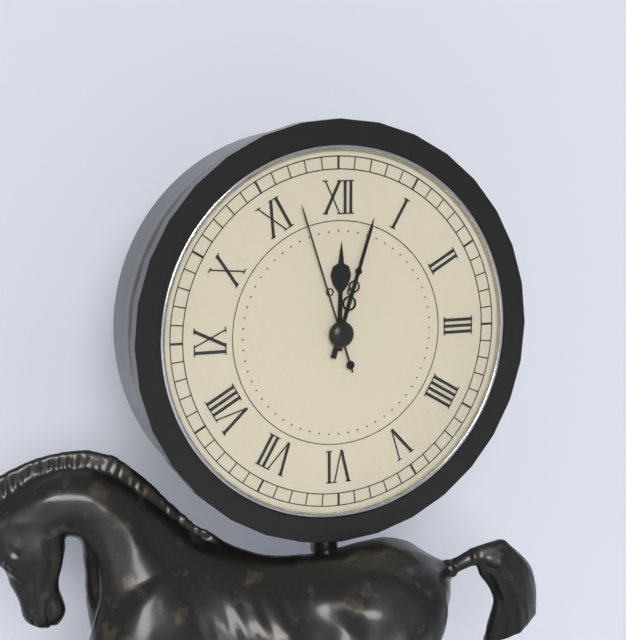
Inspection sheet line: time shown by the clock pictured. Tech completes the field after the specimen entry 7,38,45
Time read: 12,03,57
